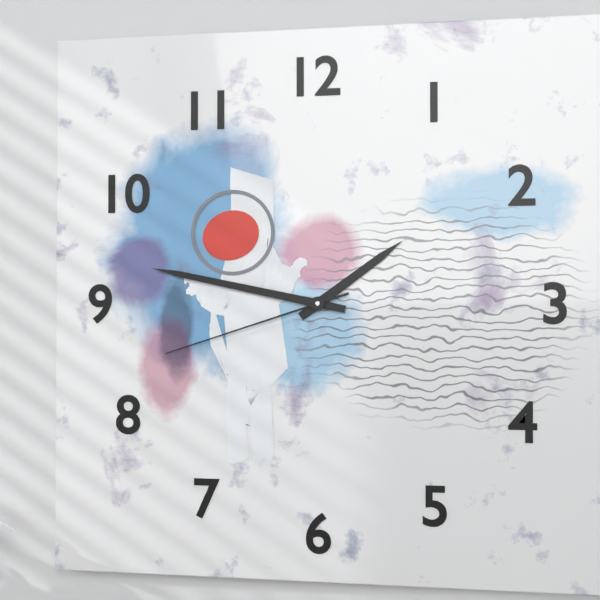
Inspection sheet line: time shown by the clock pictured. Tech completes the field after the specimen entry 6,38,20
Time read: 1,47,42
